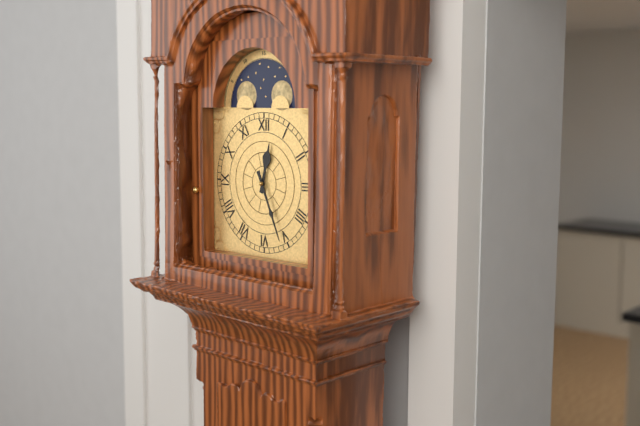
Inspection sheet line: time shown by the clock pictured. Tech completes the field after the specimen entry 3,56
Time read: 12,26
